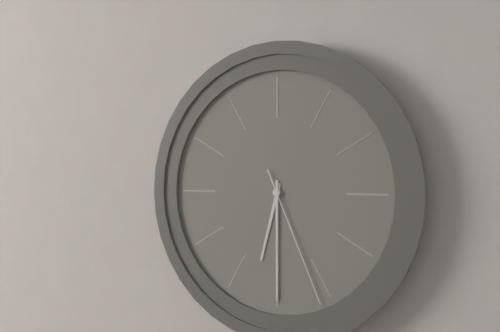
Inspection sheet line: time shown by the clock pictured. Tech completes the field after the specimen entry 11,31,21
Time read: 6,30,26
